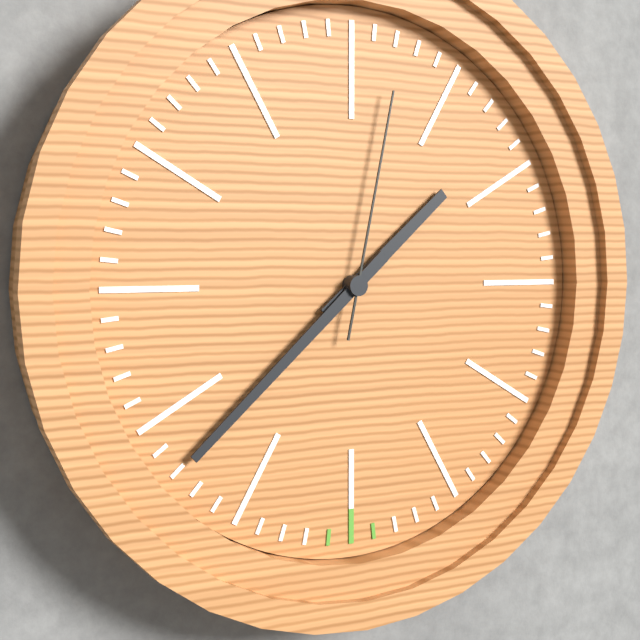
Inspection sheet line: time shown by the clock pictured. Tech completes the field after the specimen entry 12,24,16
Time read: 1,38,02
